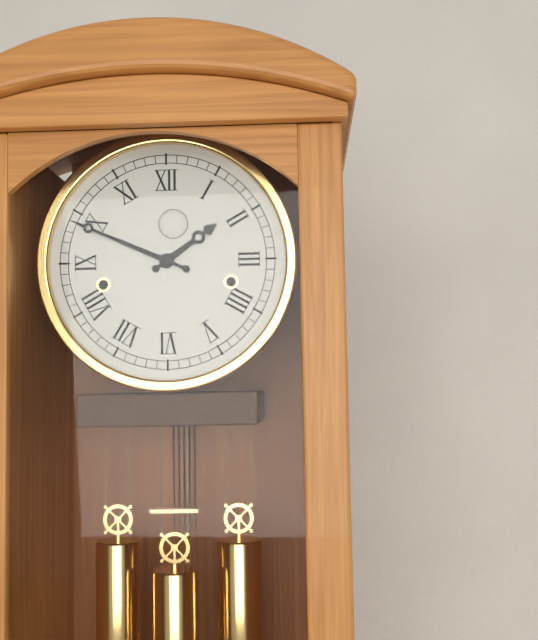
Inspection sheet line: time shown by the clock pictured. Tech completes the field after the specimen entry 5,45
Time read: 1,49
